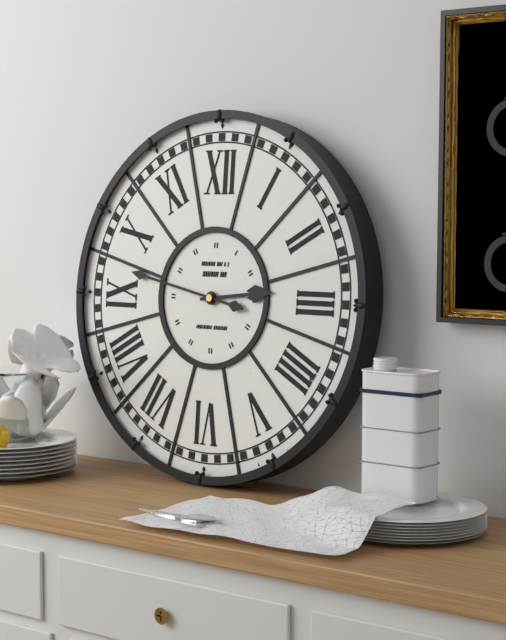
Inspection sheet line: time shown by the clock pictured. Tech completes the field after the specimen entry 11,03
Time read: 2,47
